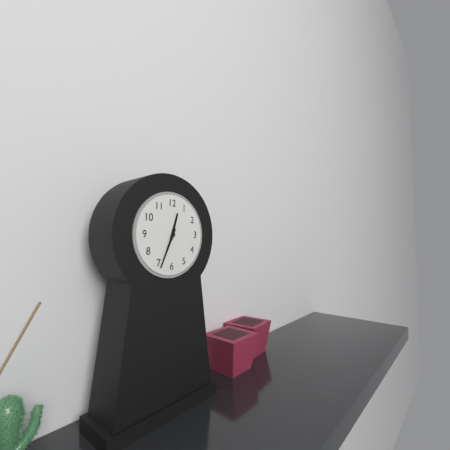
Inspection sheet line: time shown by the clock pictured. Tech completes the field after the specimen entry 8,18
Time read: 12,34
